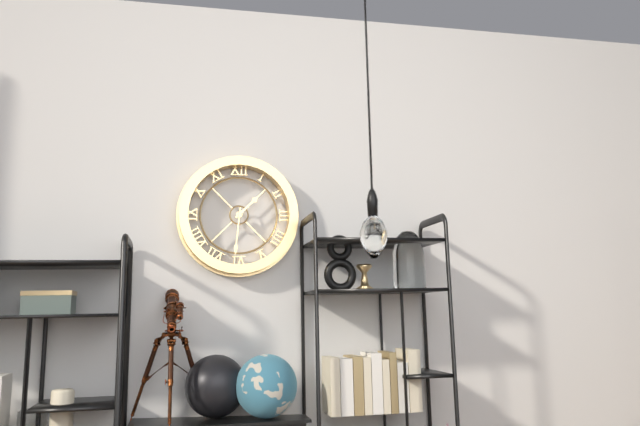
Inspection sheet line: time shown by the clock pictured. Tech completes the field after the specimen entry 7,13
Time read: 1,31
